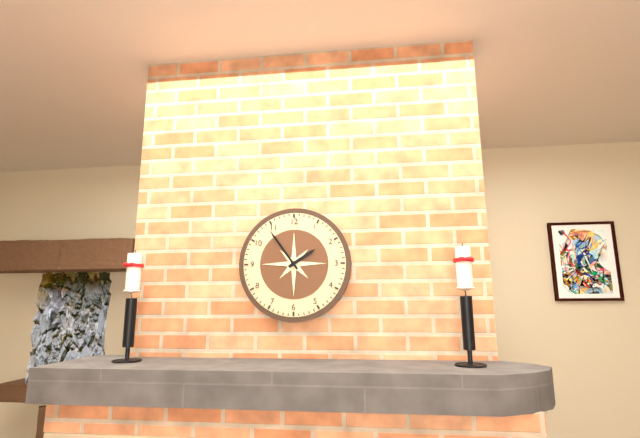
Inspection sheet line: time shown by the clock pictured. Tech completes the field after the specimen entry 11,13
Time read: 1,54
